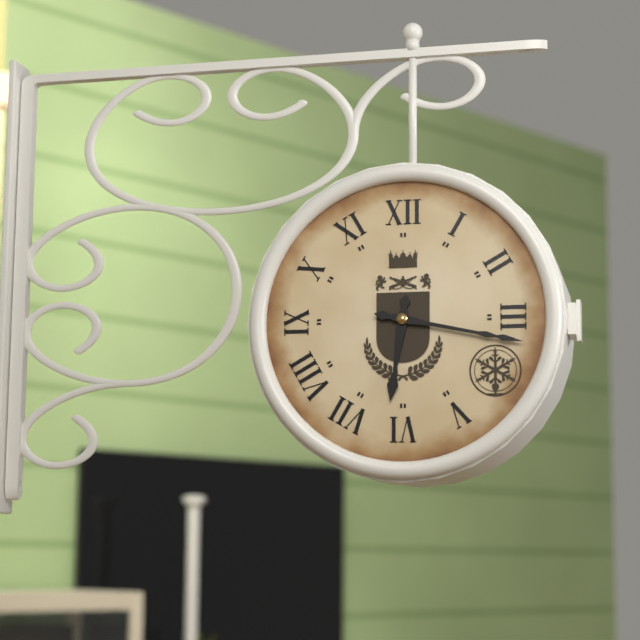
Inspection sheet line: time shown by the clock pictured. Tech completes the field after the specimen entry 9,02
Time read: 6,17
